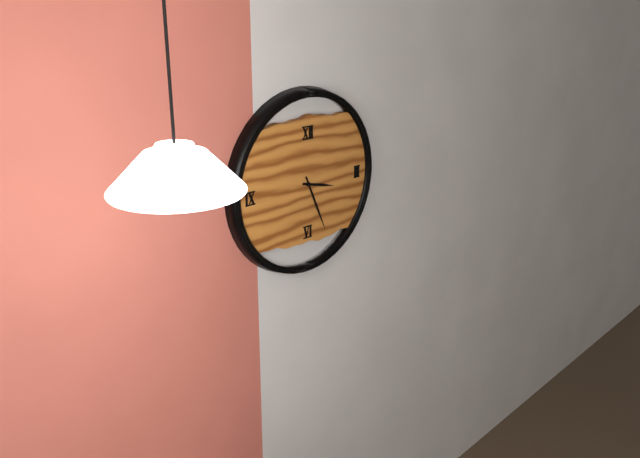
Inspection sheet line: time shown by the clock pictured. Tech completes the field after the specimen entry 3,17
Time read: 3,26
